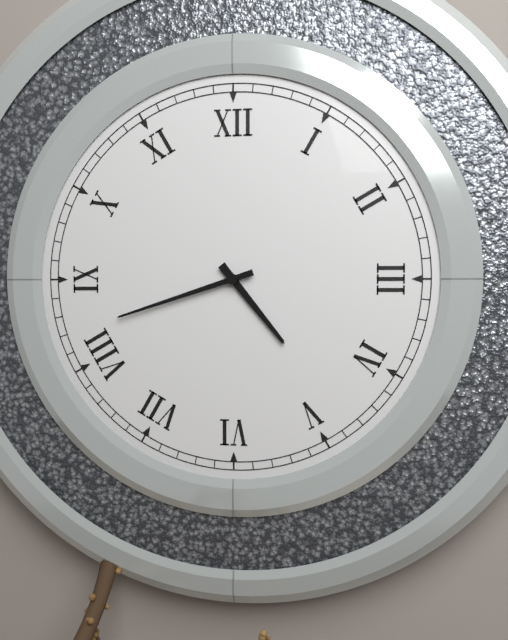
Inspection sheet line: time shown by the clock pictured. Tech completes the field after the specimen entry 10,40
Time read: 4,42
